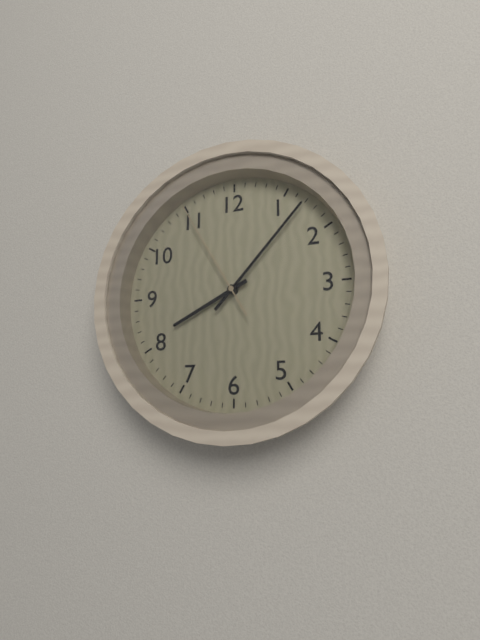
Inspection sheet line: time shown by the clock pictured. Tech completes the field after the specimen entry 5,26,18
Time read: 8,07,55
